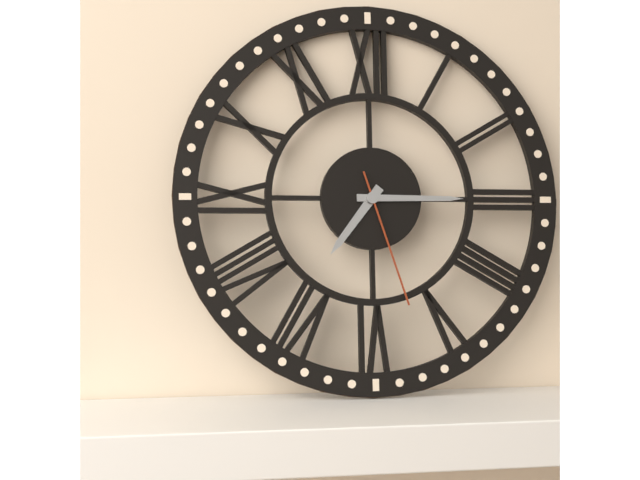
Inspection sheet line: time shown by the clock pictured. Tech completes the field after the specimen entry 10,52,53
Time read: 7,15,27
